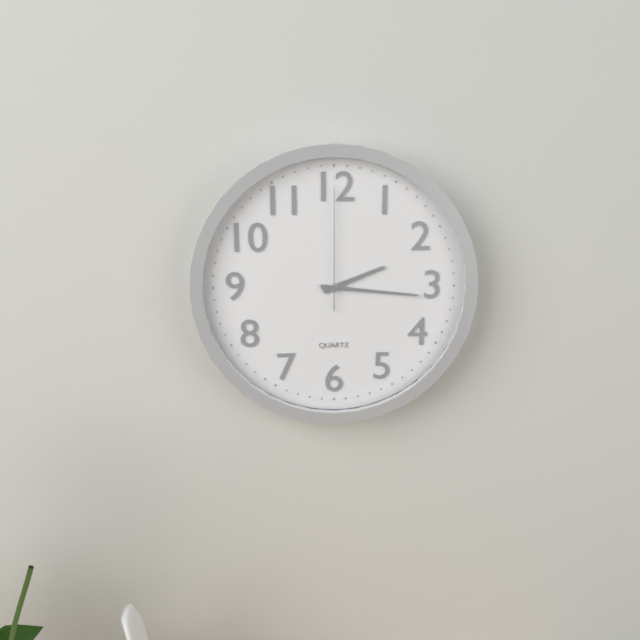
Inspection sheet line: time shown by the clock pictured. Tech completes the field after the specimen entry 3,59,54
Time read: 2,16,00
